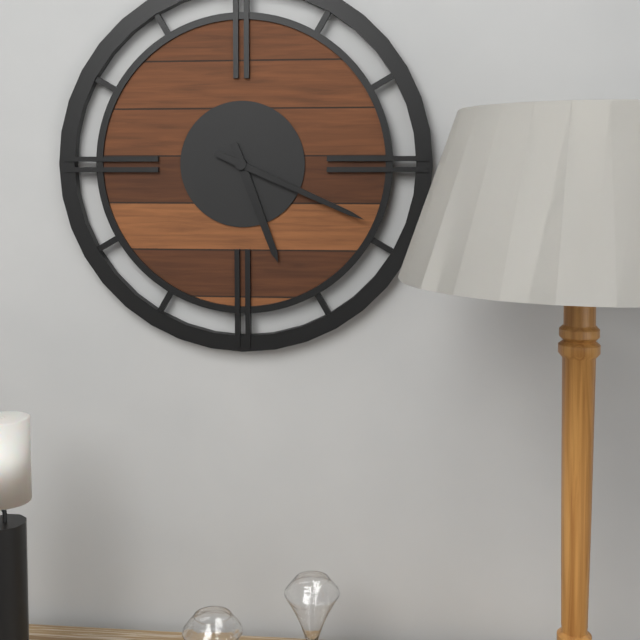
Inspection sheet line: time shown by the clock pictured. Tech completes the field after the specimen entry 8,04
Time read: 5,19
